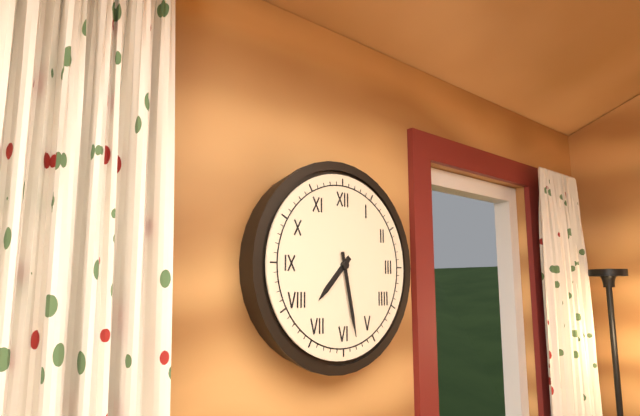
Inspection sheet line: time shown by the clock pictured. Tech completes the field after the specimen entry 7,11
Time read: 7,28
